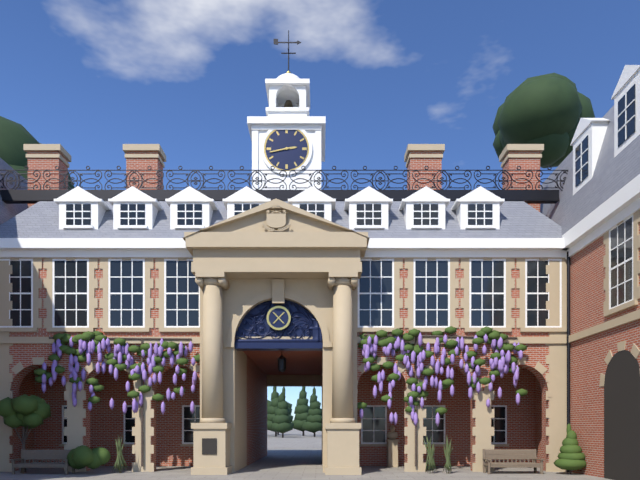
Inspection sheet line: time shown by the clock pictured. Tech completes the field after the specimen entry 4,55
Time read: 2,43
